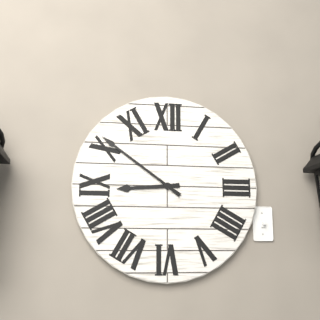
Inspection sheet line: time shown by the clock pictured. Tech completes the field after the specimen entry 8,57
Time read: 8,51
